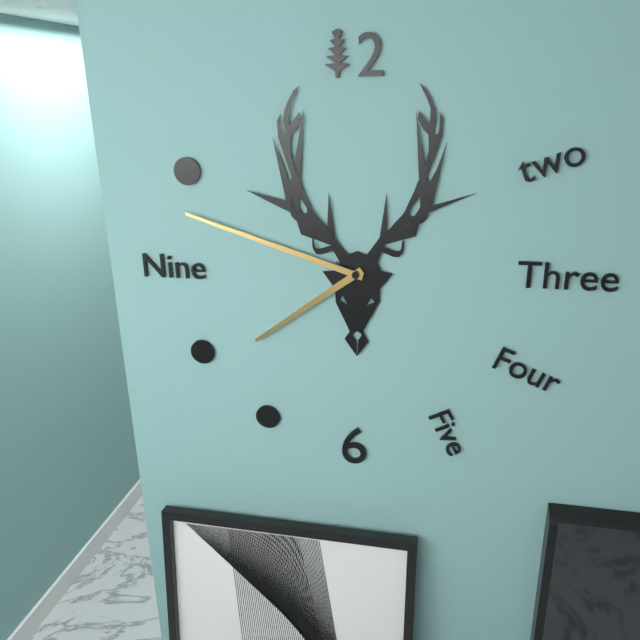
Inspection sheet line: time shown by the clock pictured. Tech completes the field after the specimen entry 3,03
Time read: 7,48
